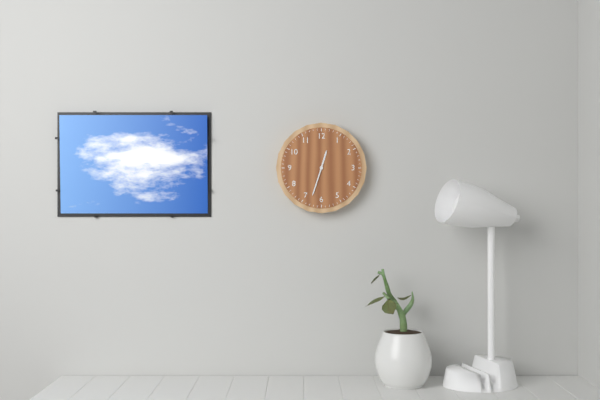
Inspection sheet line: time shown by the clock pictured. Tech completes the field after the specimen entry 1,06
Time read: 12,33
